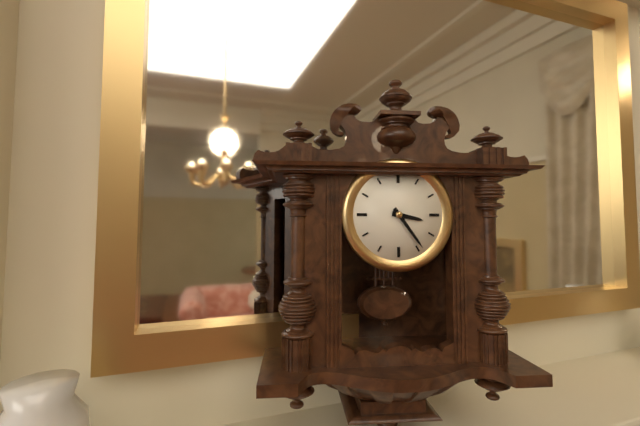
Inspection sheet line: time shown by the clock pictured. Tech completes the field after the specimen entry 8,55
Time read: 3,24
